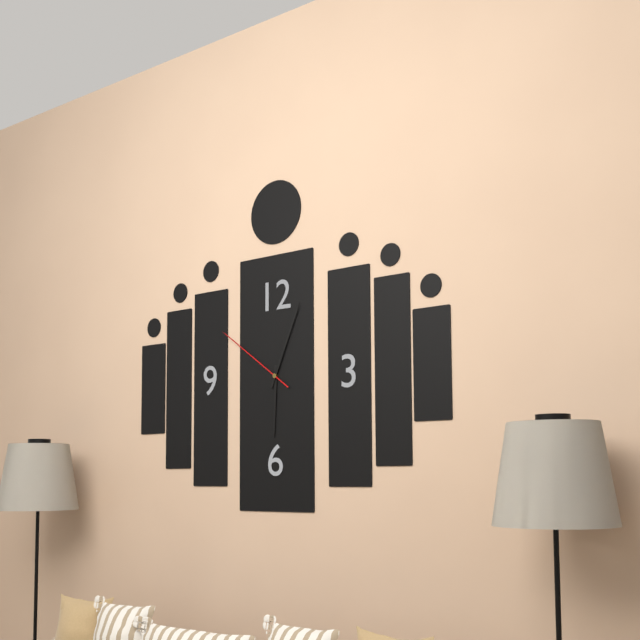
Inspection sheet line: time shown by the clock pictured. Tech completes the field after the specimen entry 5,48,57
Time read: 6,04,51
